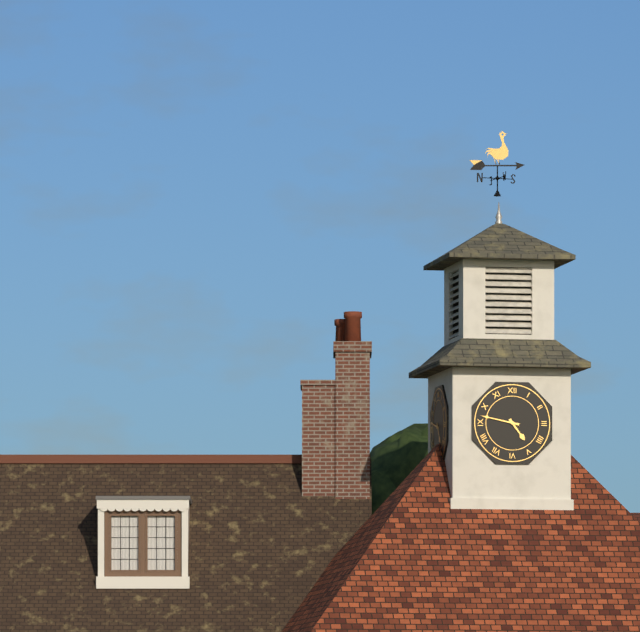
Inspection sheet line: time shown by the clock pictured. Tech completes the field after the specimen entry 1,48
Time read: 4,47
